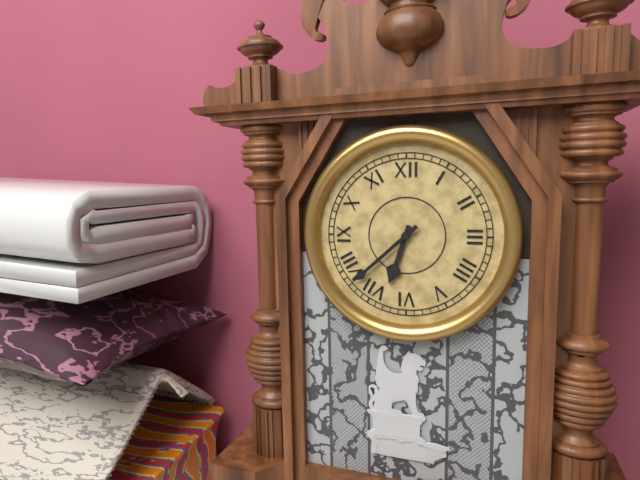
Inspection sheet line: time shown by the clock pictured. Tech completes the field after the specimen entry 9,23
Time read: 6,38
